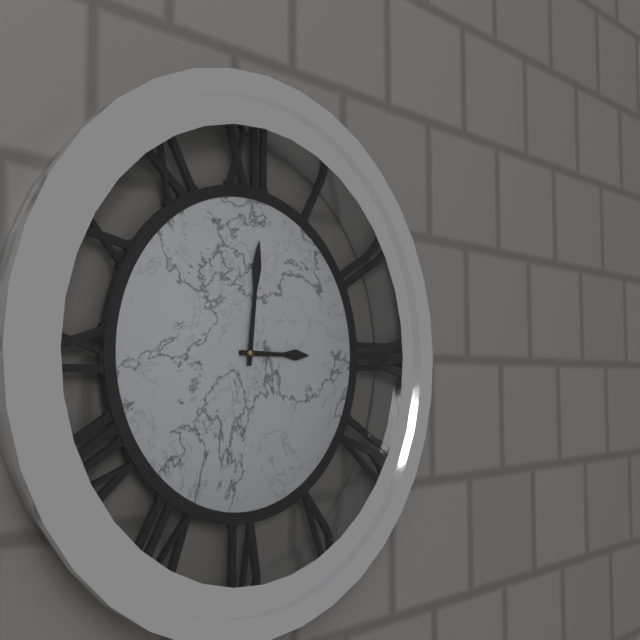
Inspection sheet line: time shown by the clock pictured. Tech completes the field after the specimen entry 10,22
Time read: 3,01
